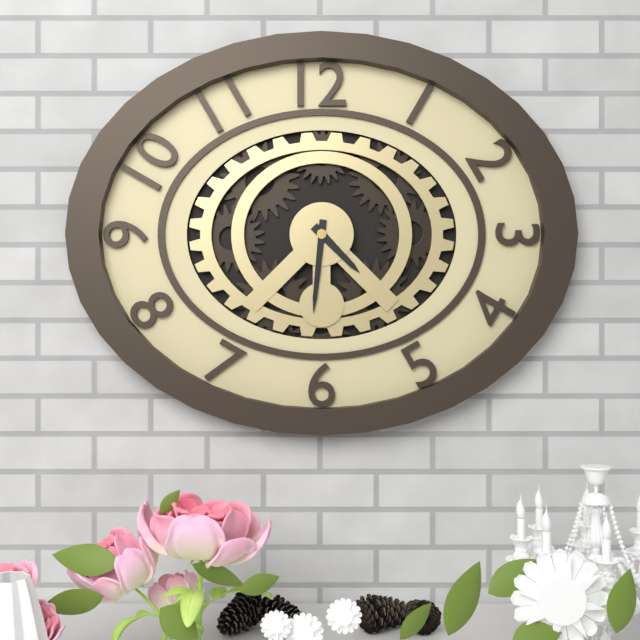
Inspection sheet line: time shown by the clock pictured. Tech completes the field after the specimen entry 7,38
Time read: 4,31
